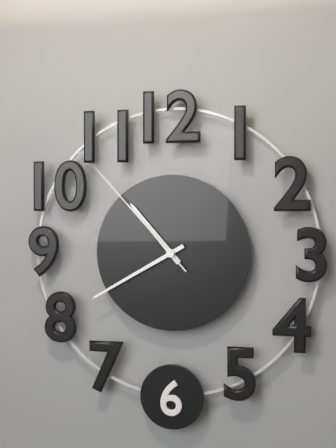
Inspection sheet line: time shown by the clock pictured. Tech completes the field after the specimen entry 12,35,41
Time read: 10,40,53
